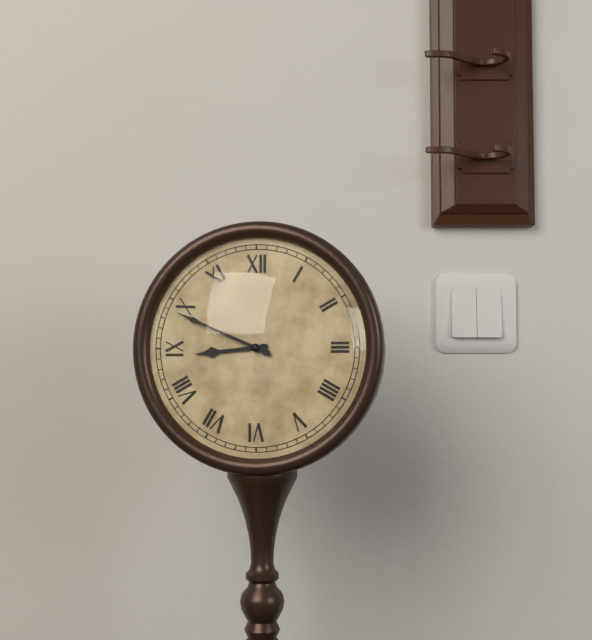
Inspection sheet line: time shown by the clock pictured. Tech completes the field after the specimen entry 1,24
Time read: 8,49
